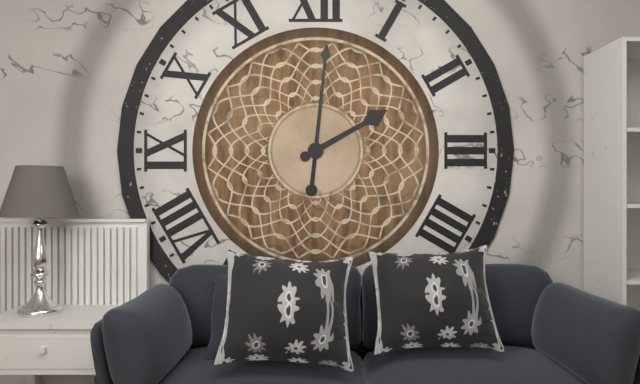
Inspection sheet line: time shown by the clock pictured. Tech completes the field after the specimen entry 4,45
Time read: 2,01
